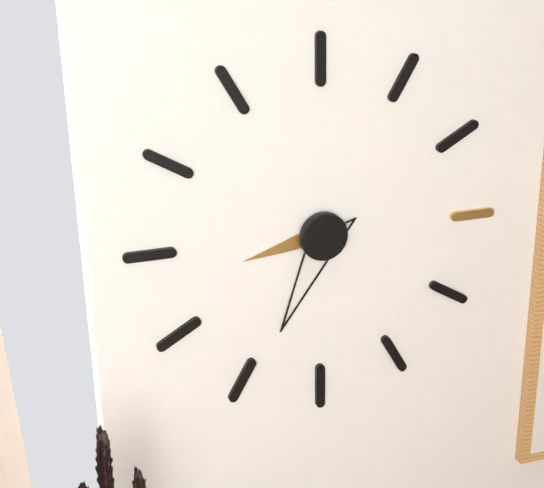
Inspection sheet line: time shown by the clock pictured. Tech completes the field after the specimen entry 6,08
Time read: 8,34
